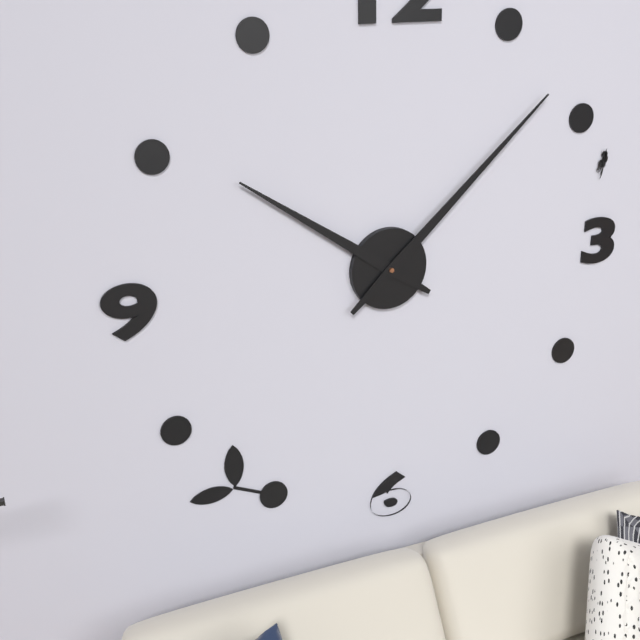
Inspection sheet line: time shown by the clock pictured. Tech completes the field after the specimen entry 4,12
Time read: 10,08
